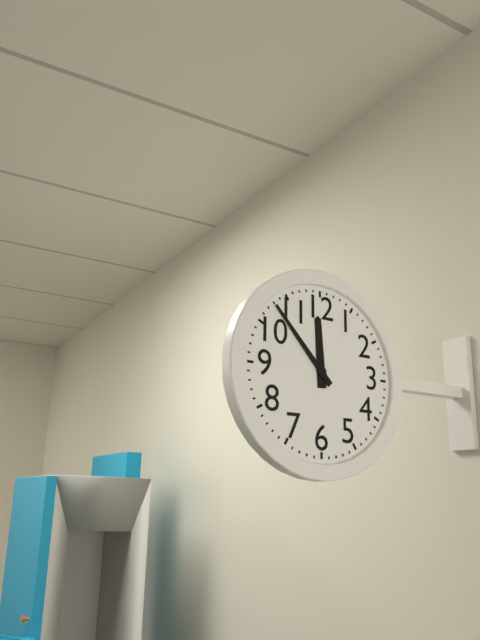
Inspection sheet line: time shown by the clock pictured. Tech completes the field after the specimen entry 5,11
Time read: 11,53
